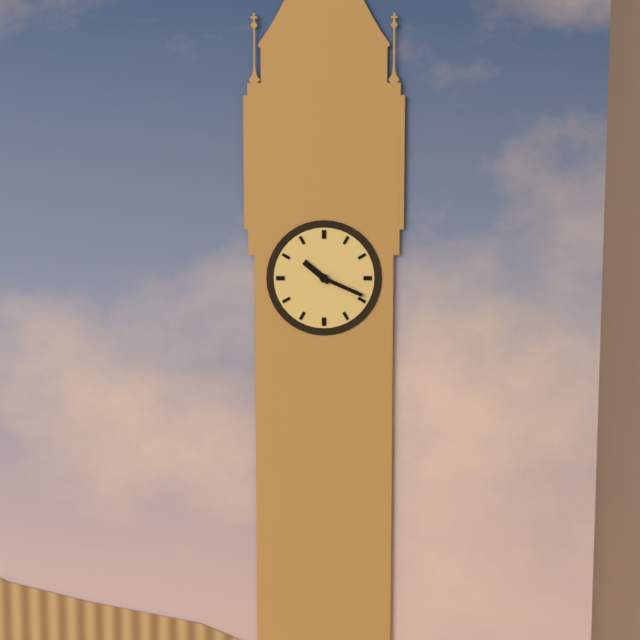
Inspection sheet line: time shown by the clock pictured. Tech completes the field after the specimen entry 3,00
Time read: 10,19
